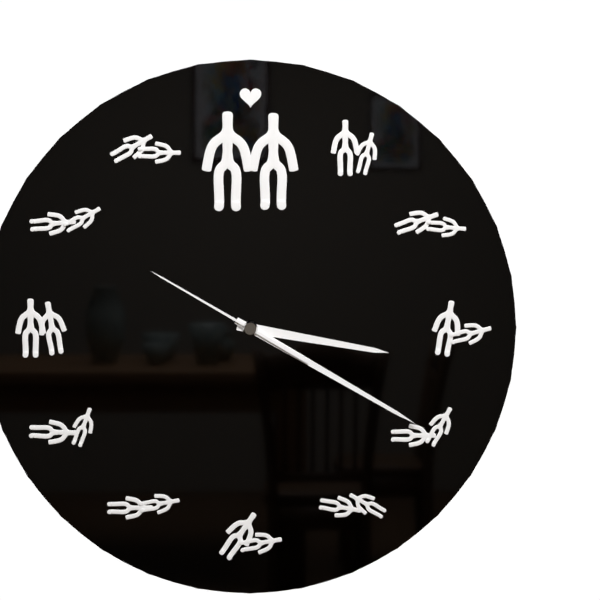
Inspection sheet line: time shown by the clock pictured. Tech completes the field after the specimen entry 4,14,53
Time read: 3,20,50
